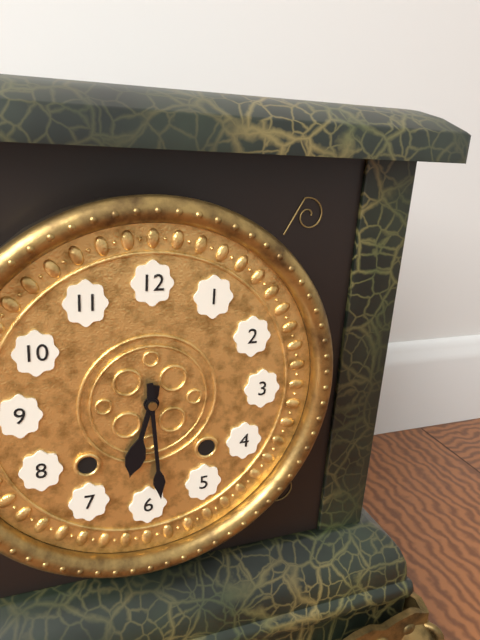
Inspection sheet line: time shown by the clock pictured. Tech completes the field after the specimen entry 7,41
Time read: 6,29
